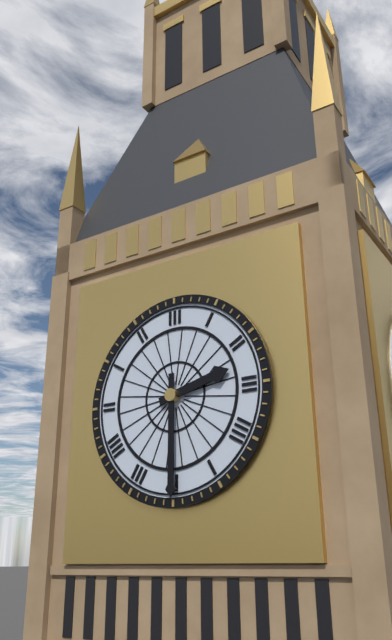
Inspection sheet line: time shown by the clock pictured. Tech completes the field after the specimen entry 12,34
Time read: 2,30
